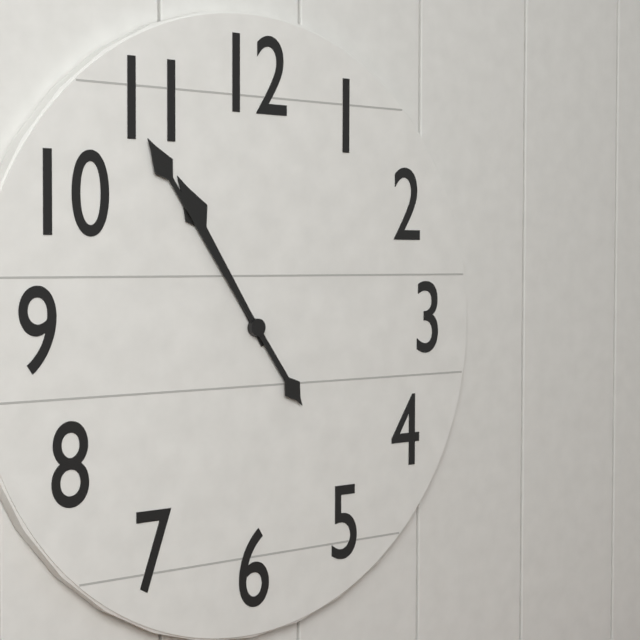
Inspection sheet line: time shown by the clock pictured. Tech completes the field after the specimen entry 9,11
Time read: 10,54
